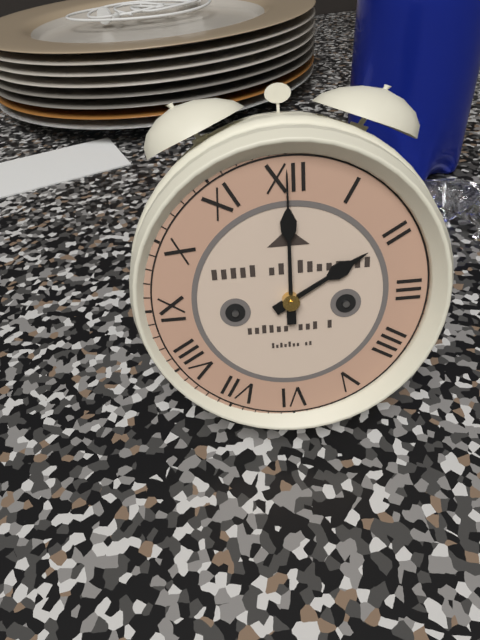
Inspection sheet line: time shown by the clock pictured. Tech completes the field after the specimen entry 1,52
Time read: 2,00
